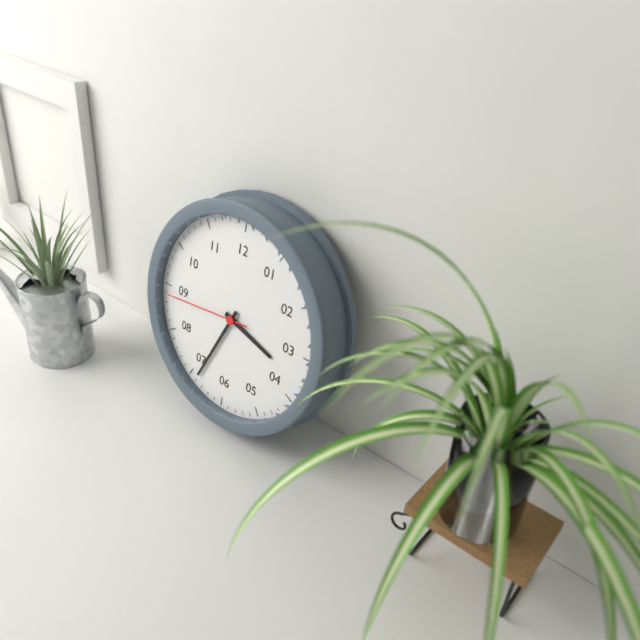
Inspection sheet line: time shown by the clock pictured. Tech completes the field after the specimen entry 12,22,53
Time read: 3,34,44
